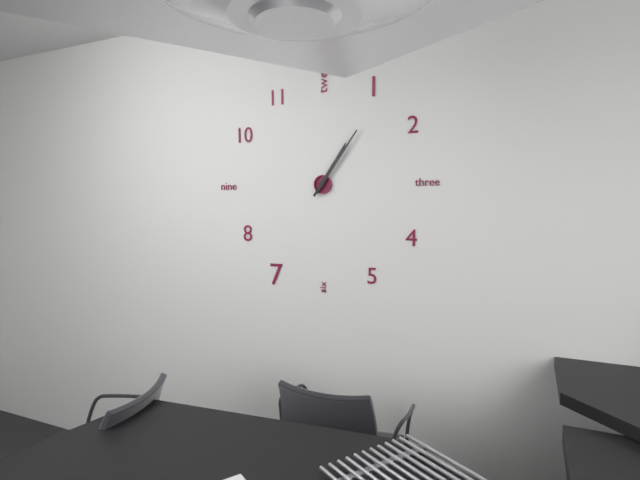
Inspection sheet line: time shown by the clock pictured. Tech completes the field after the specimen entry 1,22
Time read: 1,06
